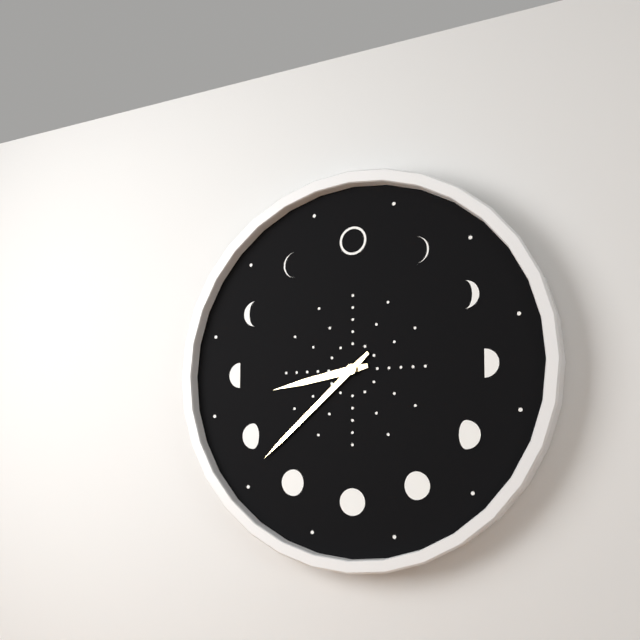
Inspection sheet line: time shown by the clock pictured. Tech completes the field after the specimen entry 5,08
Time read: 8,38
